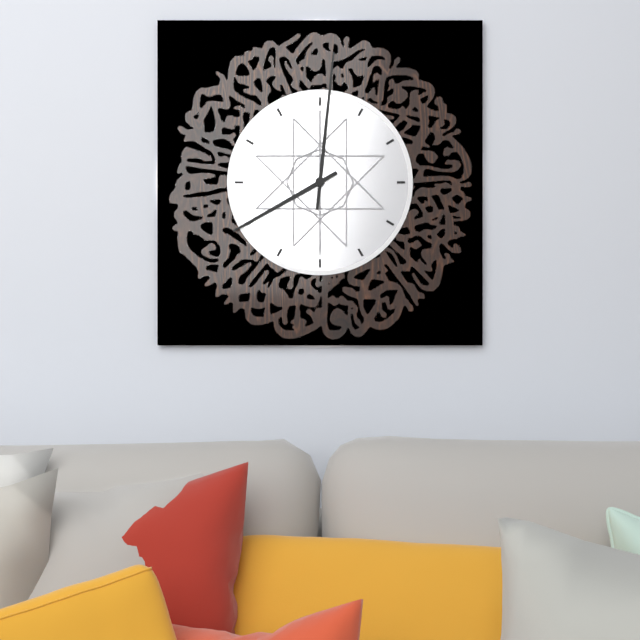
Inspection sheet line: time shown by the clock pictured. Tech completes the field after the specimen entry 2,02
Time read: 8,01
